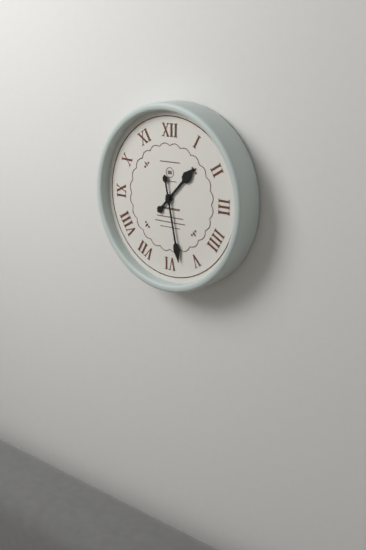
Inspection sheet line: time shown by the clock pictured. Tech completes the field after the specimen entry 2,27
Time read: 1,28
